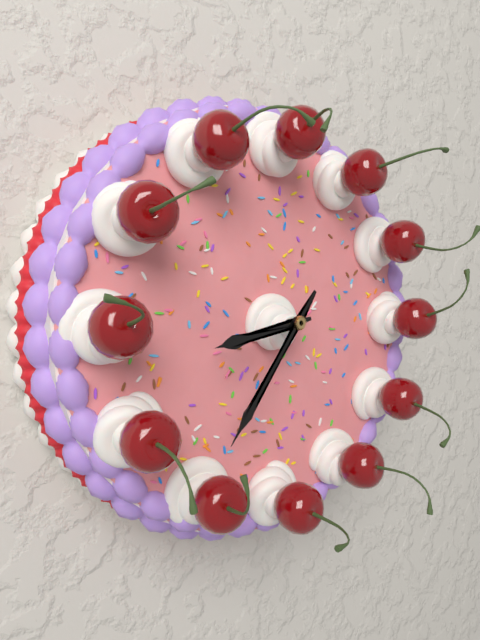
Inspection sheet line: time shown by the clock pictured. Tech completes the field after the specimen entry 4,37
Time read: 8,36
